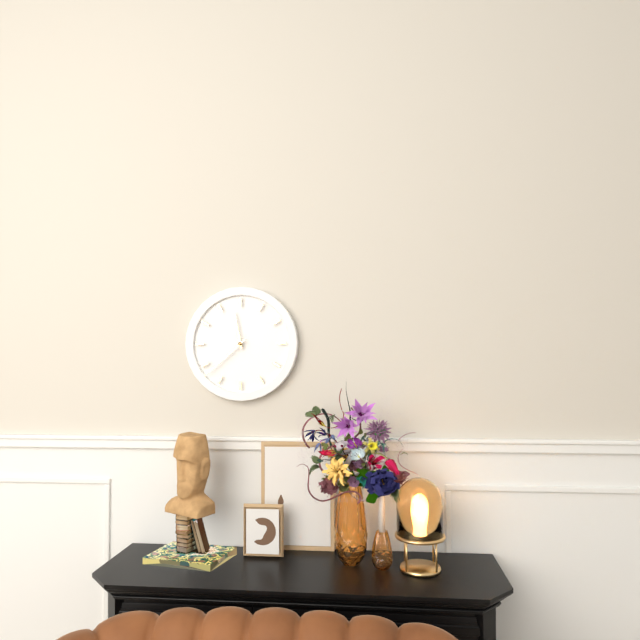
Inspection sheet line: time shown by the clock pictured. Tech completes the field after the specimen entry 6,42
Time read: 11,38
